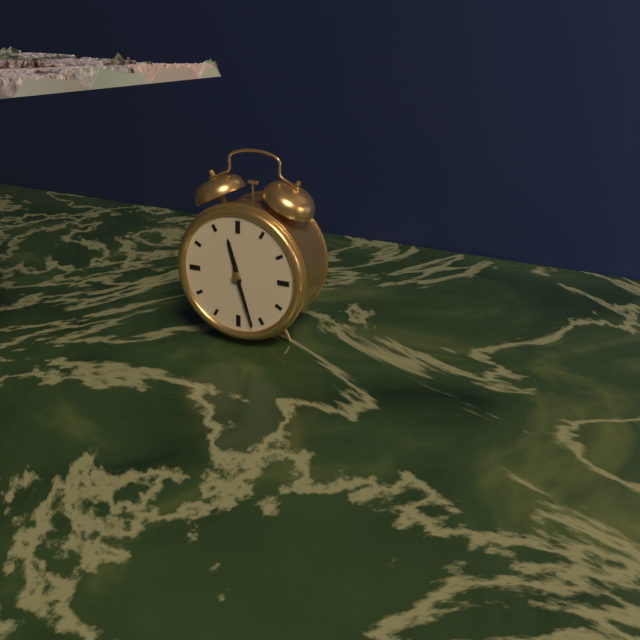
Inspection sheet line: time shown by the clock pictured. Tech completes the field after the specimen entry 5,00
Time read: 11,27
